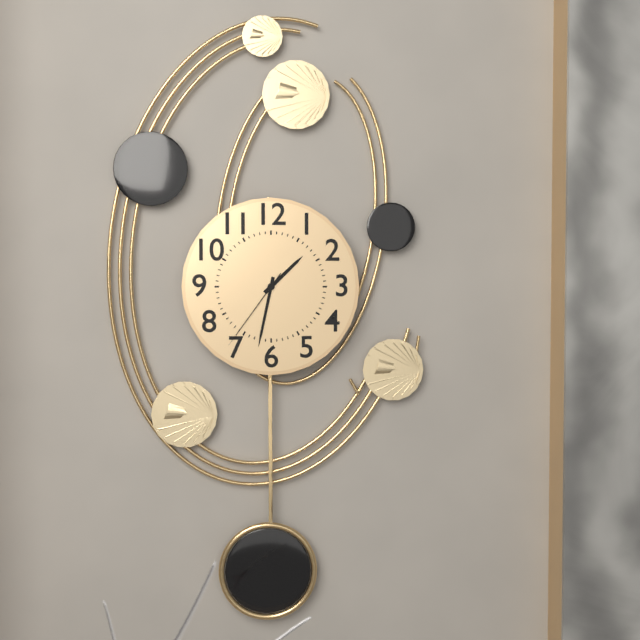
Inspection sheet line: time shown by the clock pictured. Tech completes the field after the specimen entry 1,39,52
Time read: 1,32,36
